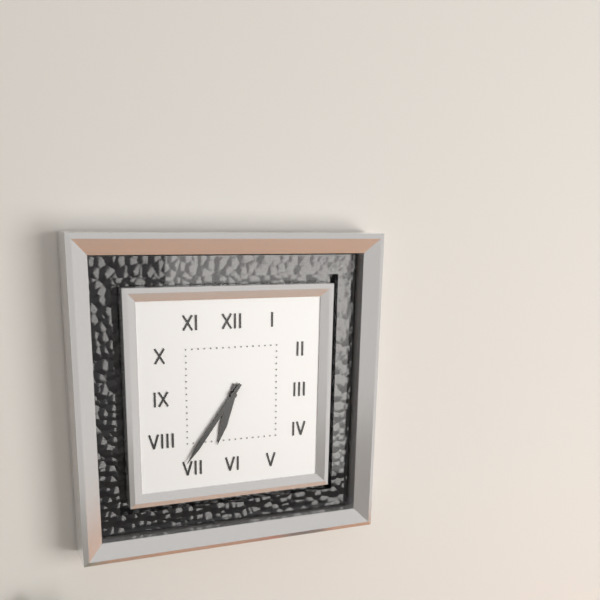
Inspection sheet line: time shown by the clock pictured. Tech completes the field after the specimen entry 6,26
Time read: 6,36
